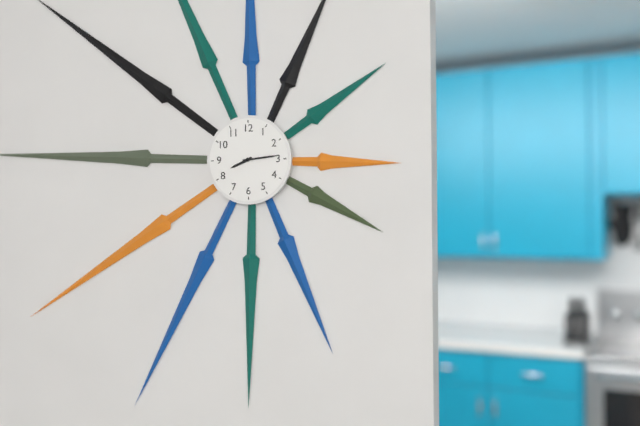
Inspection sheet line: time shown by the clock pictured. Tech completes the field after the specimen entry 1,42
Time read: 8,14
